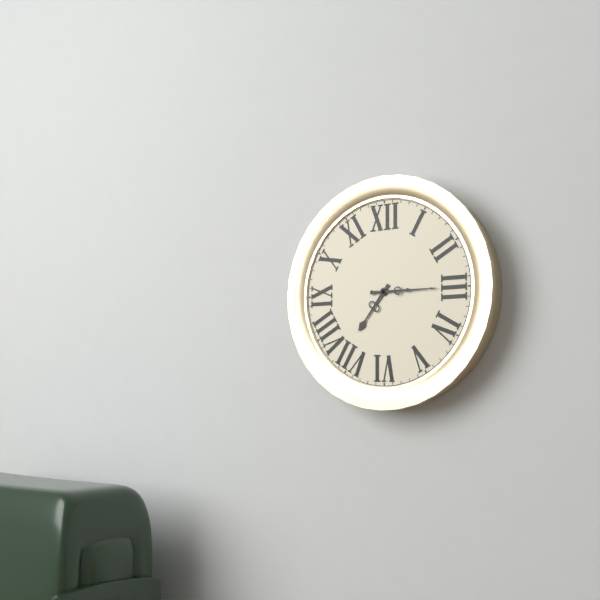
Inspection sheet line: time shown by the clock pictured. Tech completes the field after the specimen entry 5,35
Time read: 7,15
